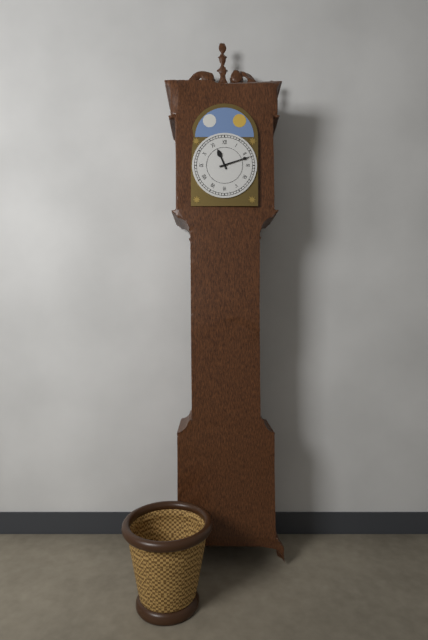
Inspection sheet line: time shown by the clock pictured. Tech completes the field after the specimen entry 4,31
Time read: 11,12
